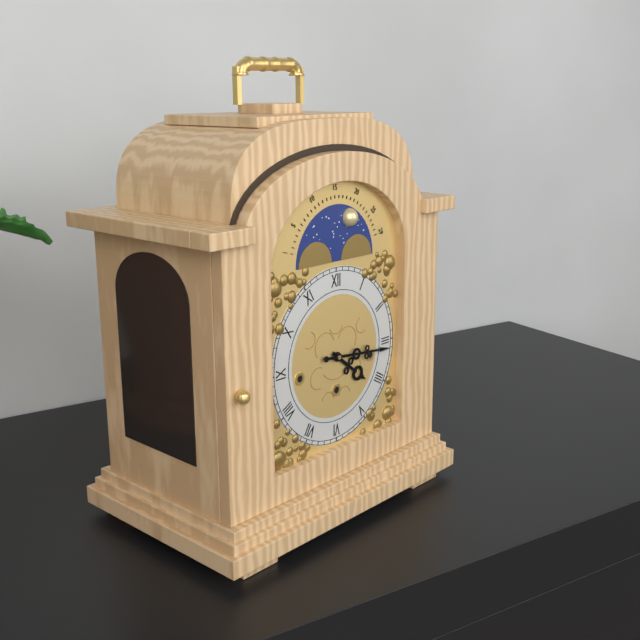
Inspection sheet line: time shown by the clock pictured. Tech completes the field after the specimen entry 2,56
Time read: 4,16
